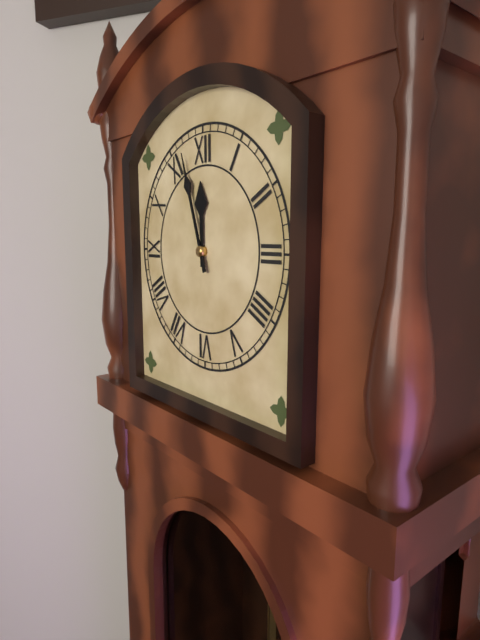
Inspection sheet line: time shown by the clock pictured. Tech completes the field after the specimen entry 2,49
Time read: 11,57
